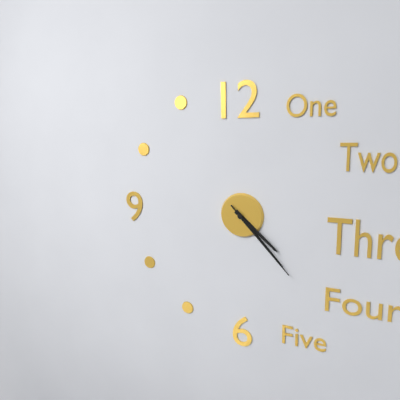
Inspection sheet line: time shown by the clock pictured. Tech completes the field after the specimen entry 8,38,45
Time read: 4,23,23
